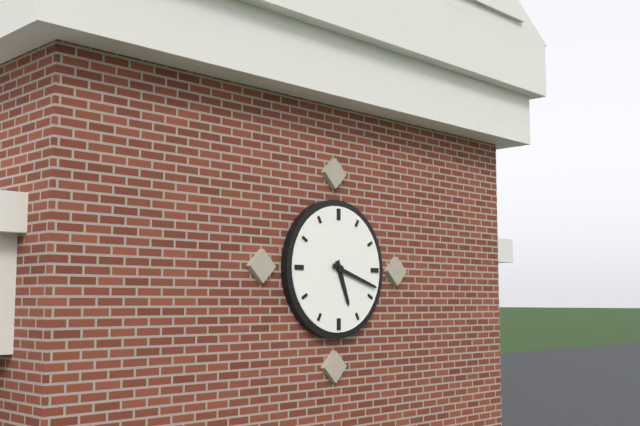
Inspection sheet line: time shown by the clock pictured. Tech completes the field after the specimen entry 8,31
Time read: 5,18
